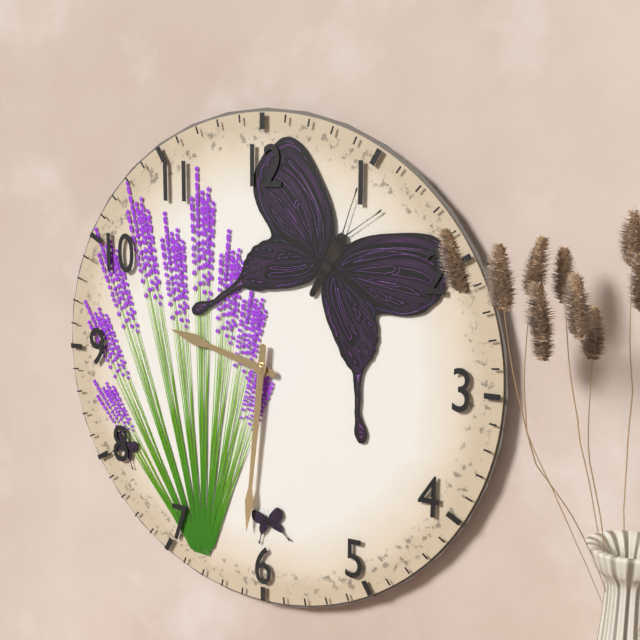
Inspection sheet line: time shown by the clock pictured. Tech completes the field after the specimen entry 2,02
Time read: 9,31
